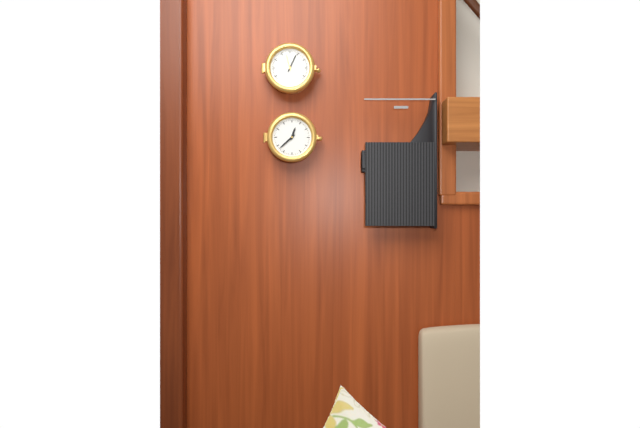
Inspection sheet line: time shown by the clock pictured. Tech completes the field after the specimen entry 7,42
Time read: 12,38
